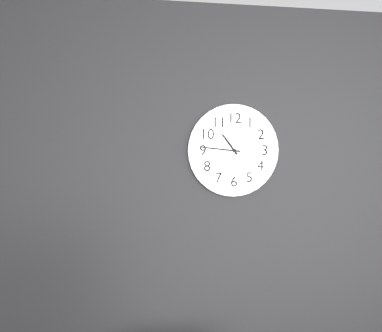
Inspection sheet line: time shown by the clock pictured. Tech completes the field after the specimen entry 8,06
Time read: 10,46
